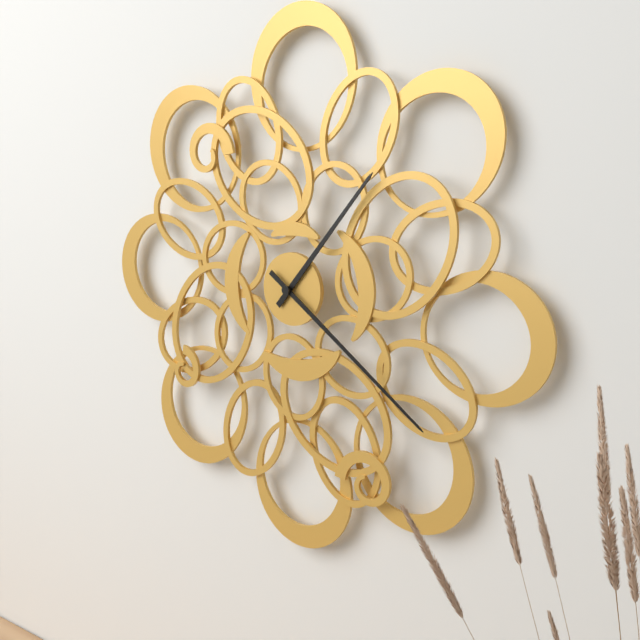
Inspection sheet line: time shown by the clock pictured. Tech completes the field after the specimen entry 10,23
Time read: 1,21
